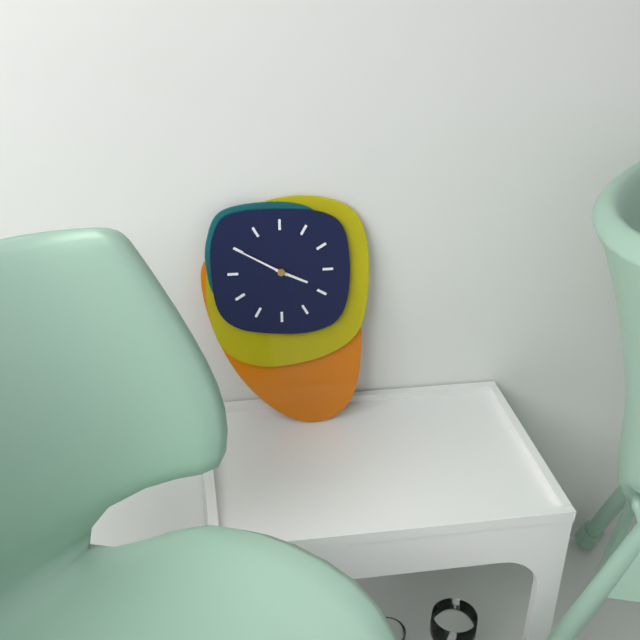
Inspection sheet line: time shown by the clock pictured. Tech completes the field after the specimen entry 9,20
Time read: 3,50
